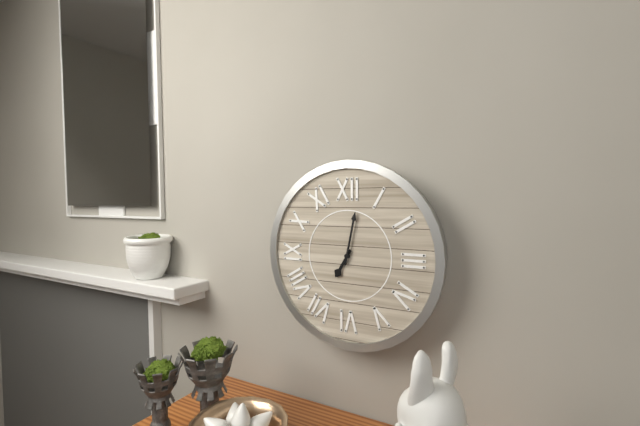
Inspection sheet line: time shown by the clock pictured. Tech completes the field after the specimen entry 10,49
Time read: 7,02
